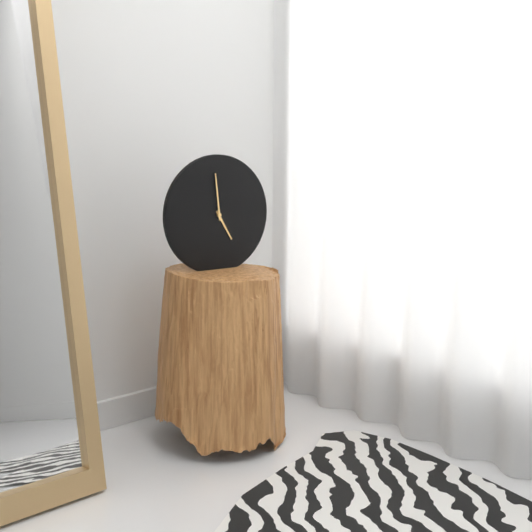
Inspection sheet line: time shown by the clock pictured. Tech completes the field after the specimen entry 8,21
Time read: 4,59
